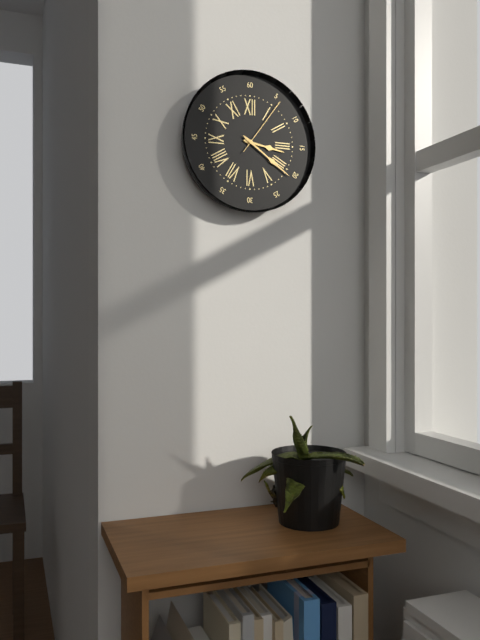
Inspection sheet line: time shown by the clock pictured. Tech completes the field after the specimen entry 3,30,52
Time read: 3,21,06
